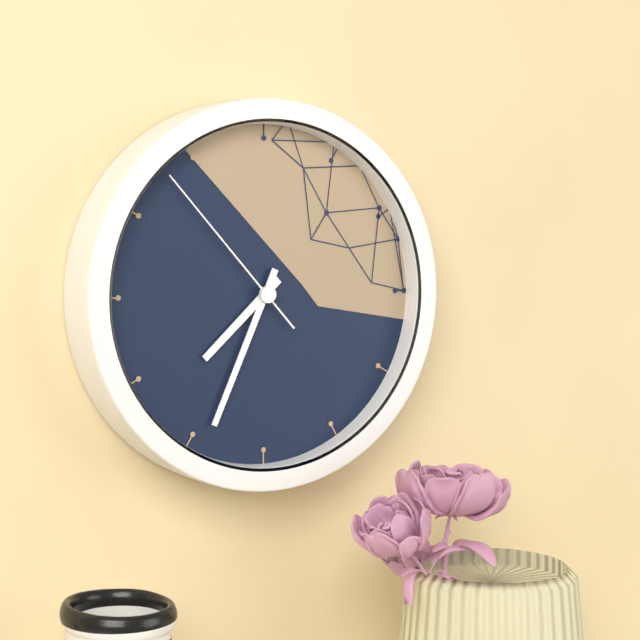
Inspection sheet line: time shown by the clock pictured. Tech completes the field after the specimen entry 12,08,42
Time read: 7,34,53
